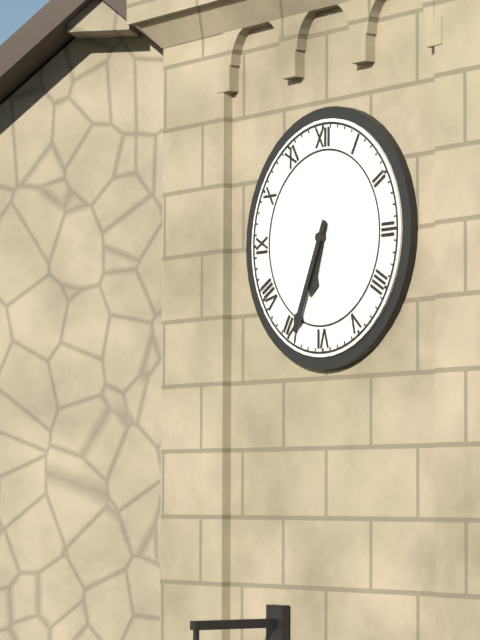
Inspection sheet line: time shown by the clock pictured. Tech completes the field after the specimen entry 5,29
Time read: 6,34
